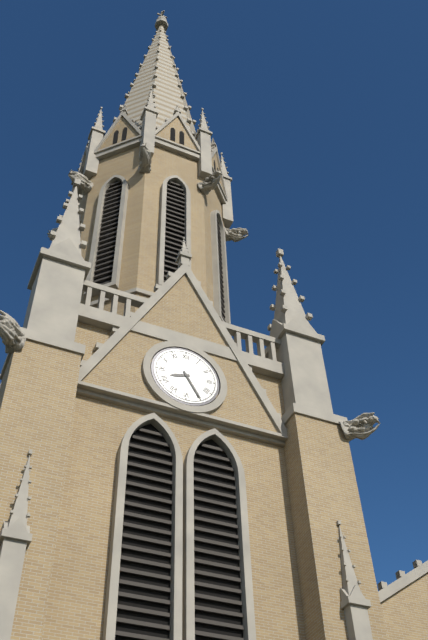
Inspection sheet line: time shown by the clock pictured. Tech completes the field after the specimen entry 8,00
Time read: 8,25
